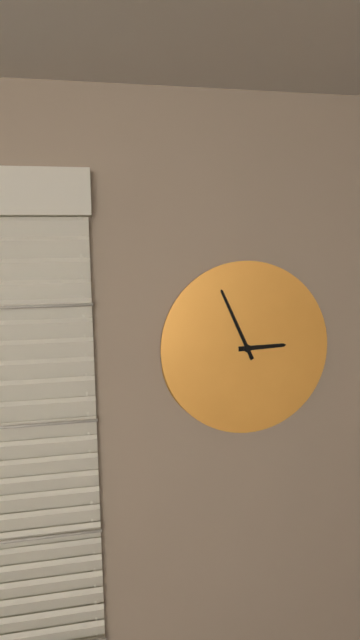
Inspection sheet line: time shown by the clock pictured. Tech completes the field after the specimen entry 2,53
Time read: 2,56
